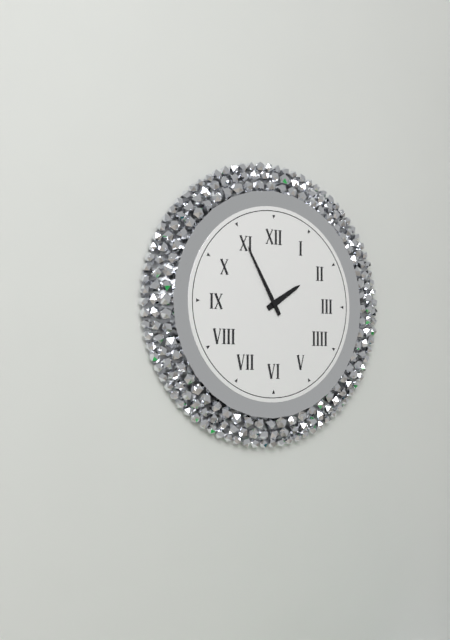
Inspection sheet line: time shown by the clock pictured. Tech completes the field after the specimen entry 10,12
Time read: 1,55
